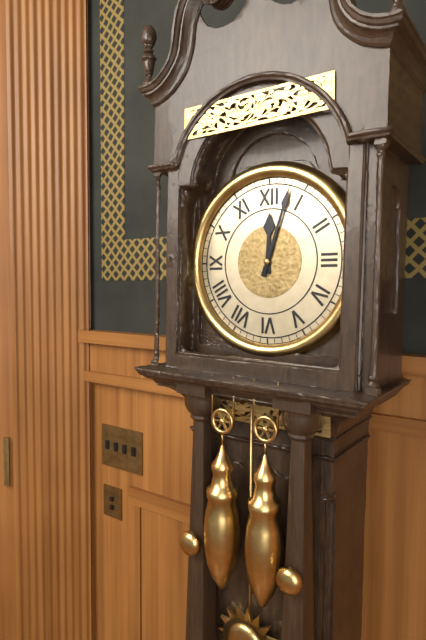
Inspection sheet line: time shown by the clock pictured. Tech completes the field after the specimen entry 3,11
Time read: 12,03
